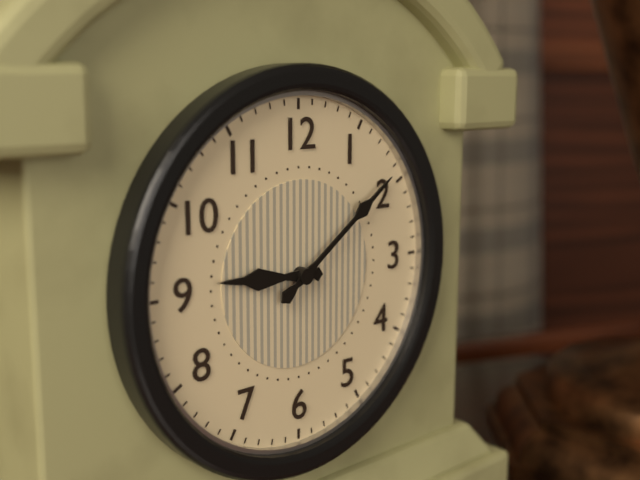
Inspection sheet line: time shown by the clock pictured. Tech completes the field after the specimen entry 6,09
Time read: 9,09
